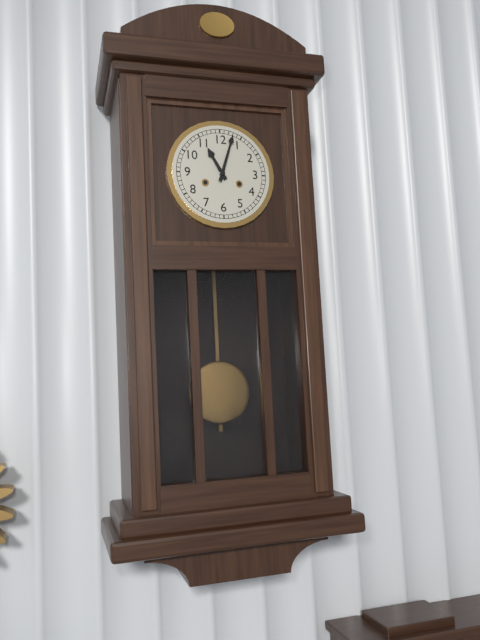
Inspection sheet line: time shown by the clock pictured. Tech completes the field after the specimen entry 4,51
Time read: 11,03
